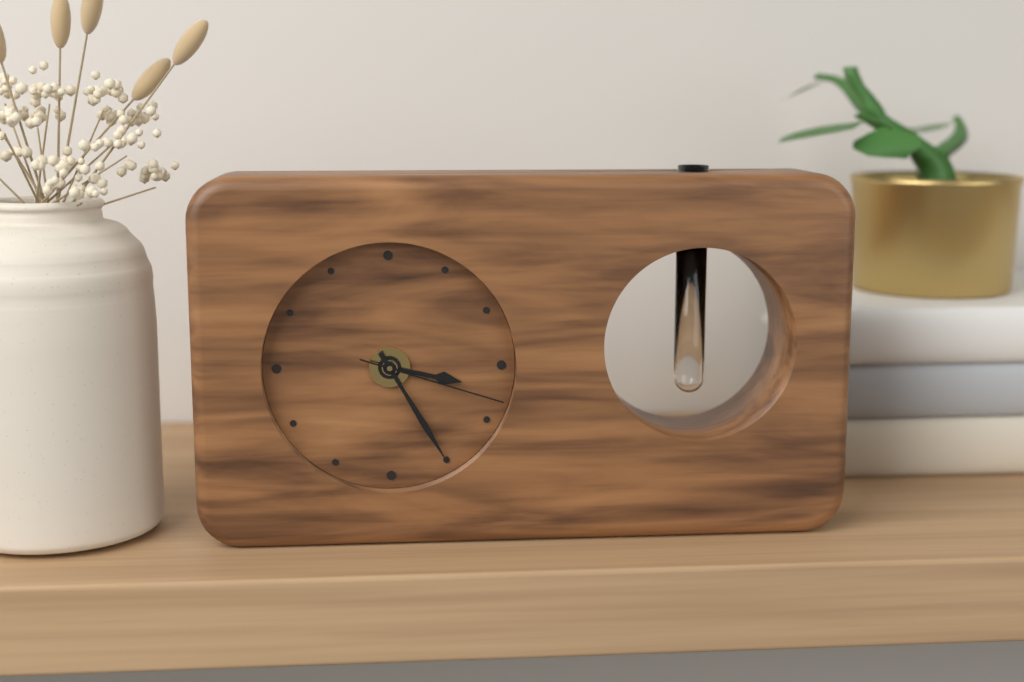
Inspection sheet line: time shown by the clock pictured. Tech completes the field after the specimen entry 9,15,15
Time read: 3,25,18
